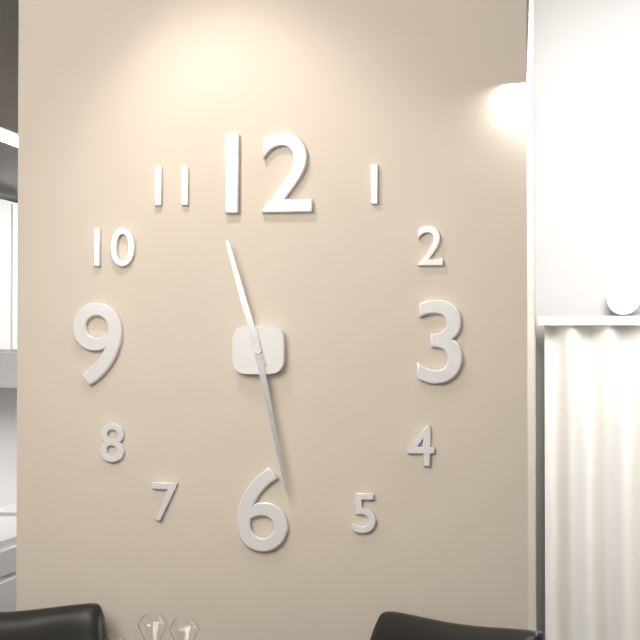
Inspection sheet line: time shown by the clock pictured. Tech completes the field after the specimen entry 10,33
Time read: 11,28
